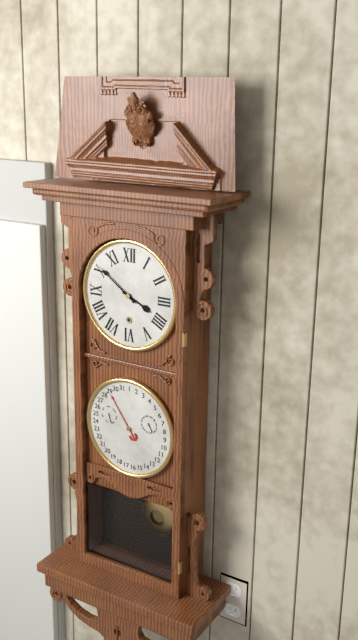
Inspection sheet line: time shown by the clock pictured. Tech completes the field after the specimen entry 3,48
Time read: 3,51
